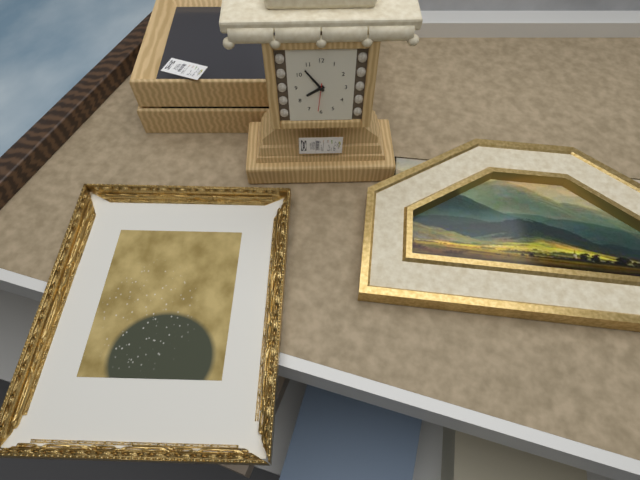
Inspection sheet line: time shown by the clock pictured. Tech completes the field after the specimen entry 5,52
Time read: 7,54
